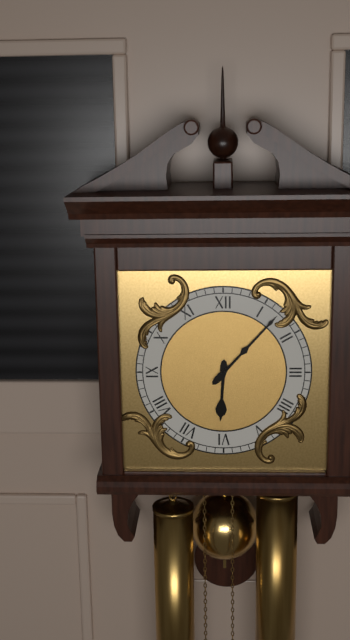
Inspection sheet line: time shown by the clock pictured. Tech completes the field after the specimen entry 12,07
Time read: 6,07
